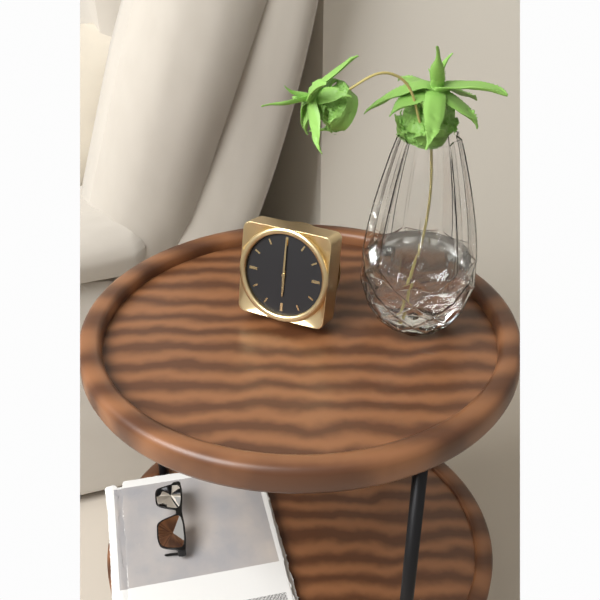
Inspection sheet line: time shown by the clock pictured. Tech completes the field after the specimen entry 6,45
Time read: 6,00
